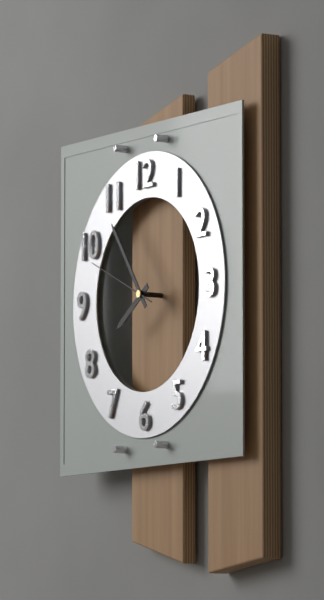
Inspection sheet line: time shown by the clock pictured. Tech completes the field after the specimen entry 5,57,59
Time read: 7,54,49
